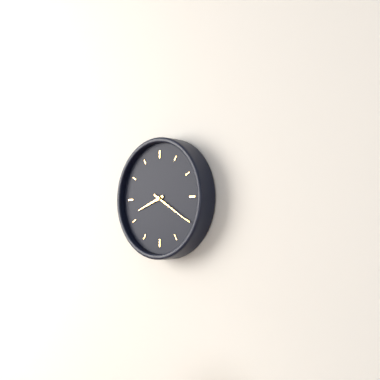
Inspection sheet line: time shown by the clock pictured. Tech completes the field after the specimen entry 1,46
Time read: 8,20
